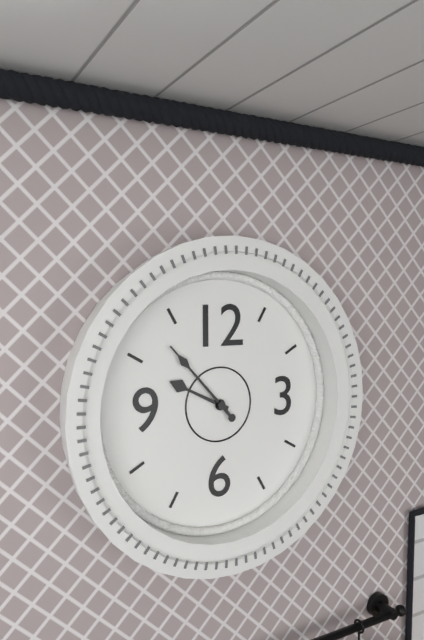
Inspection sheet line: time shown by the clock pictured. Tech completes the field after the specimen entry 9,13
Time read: 9,53
